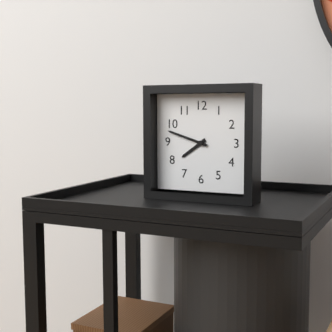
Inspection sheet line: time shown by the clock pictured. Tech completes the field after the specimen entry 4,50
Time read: 7,48
